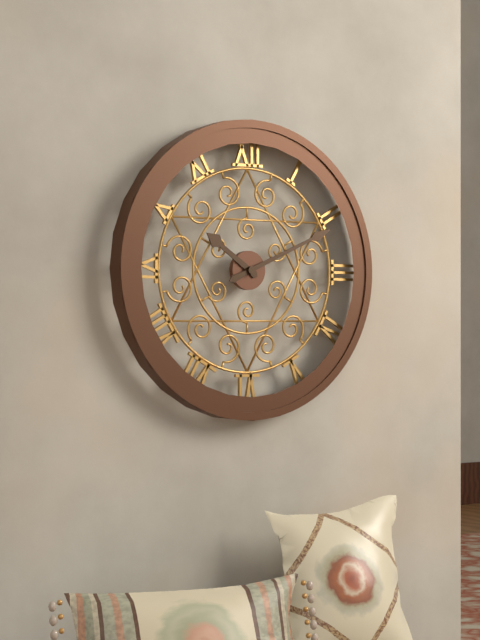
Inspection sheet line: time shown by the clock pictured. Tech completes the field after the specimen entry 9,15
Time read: 10,11
